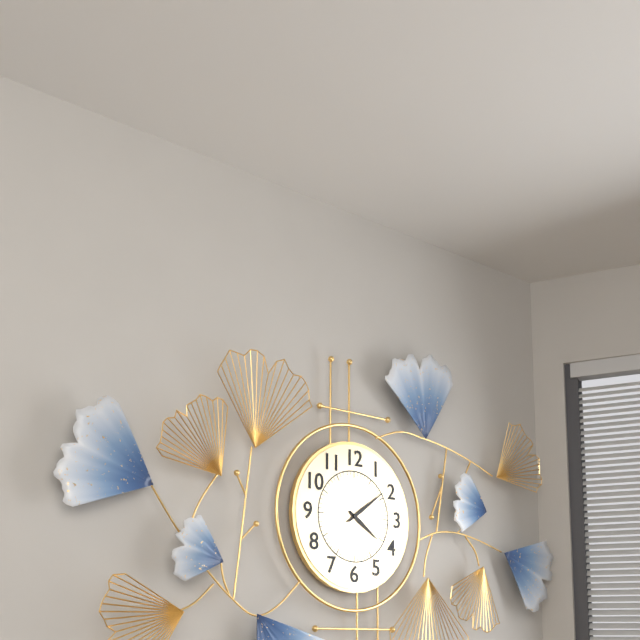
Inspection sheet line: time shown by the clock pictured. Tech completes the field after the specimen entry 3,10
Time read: 4,09
